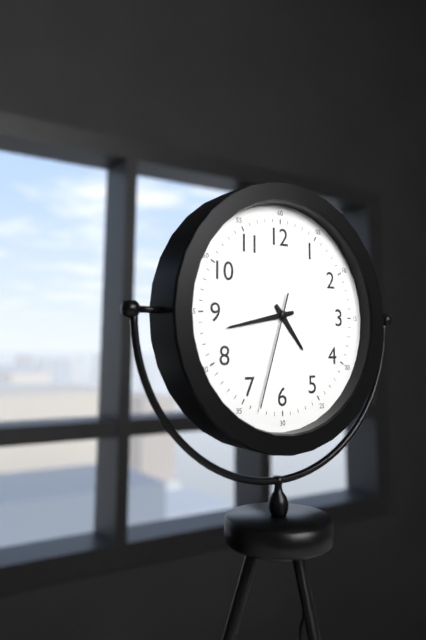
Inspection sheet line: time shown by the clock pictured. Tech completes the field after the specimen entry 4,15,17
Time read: 4,43,33
